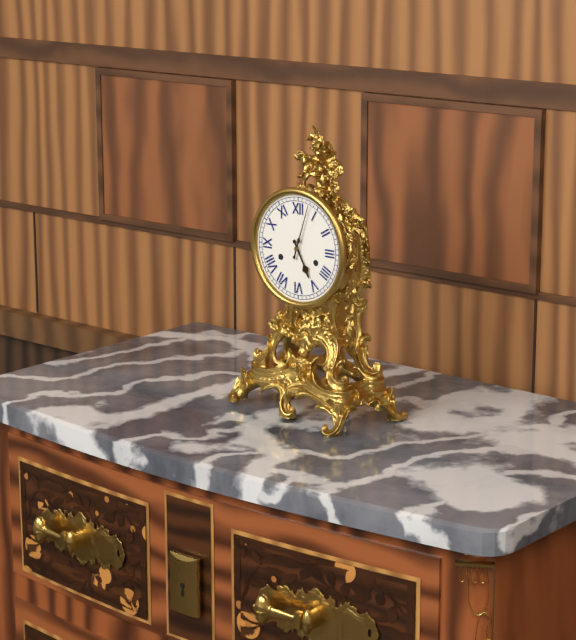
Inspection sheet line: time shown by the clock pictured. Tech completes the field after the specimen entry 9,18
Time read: 5,03
